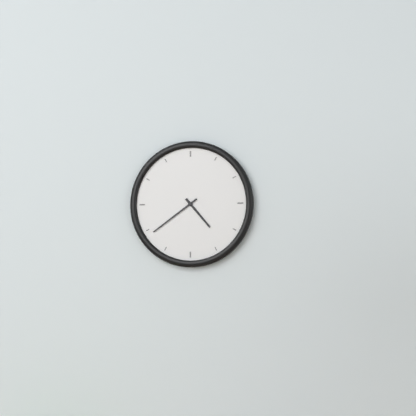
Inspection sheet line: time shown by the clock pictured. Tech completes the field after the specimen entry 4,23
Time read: 4,39
